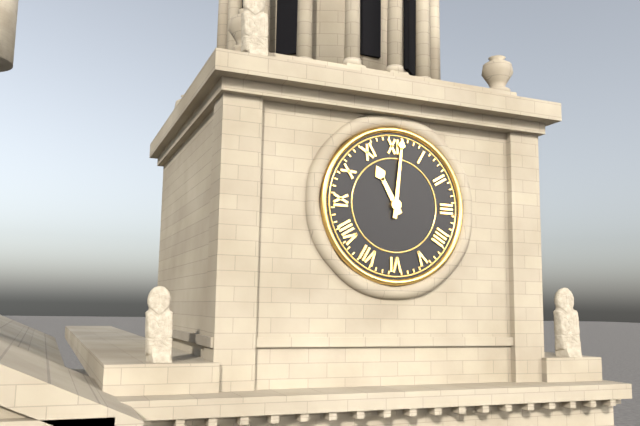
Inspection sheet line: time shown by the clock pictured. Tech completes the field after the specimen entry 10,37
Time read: 11,01
